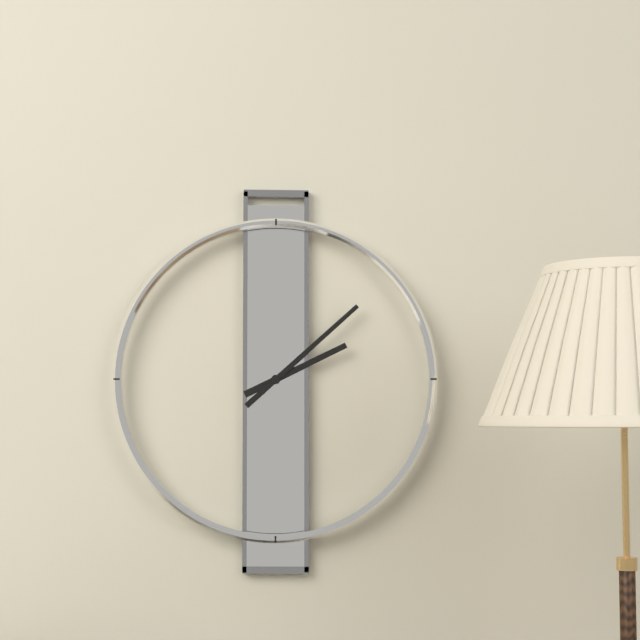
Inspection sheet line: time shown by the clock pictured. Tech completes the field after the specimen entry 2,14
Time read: 2,08
